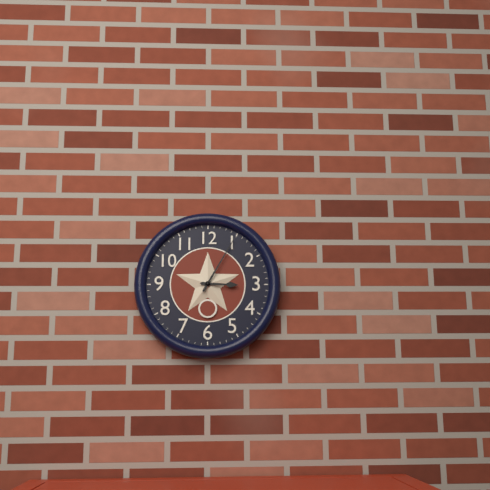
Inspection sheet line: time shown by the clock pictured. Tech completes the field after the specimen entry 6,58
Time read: 3,05
